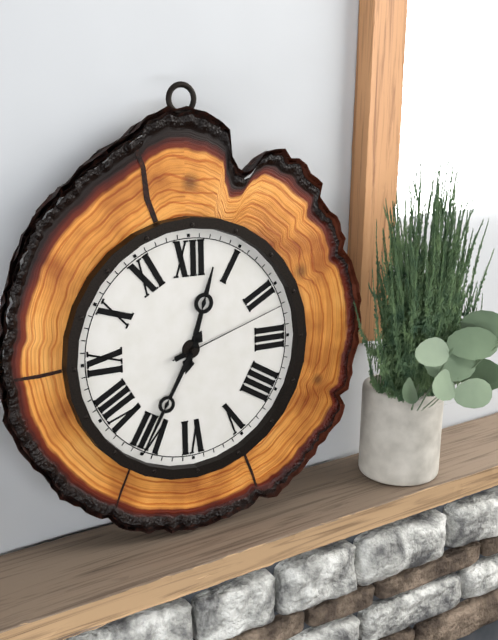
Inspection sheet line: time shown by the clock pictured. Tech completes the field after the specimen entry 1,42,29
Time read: 12,35,12
